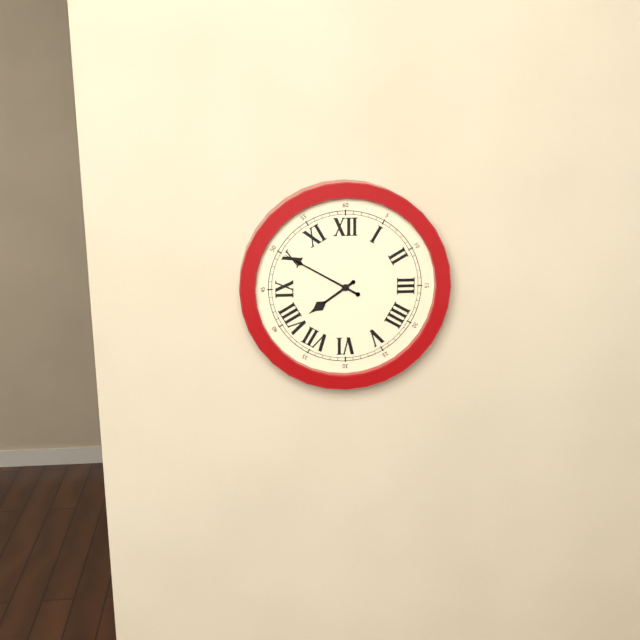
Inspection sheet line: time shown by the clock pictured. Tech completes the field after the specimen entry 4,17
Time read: 7,50
